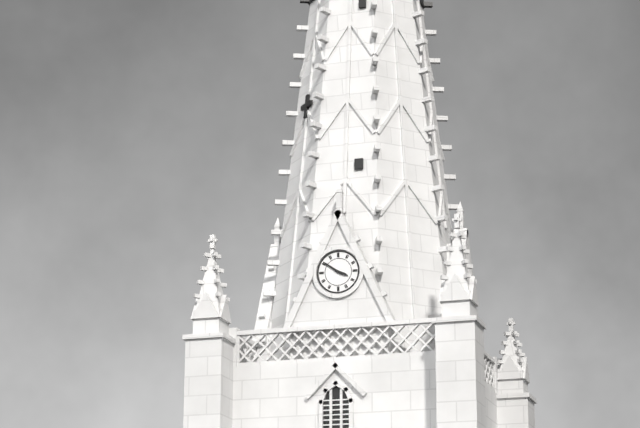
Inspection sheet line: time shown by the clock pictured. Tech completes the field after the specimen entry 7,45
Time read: 3,51
